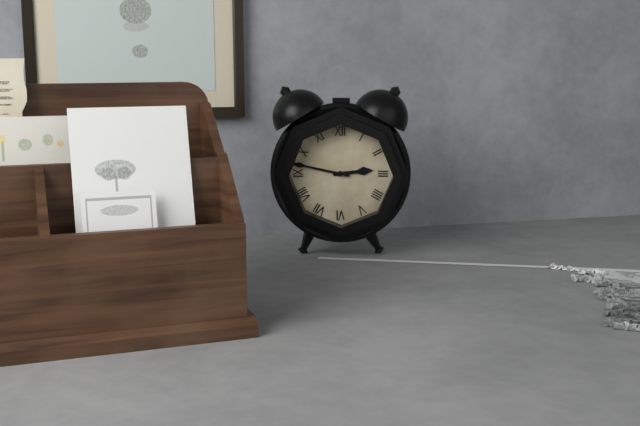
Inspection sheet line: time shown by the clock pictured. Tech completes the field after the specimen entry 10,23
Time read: 2,47
